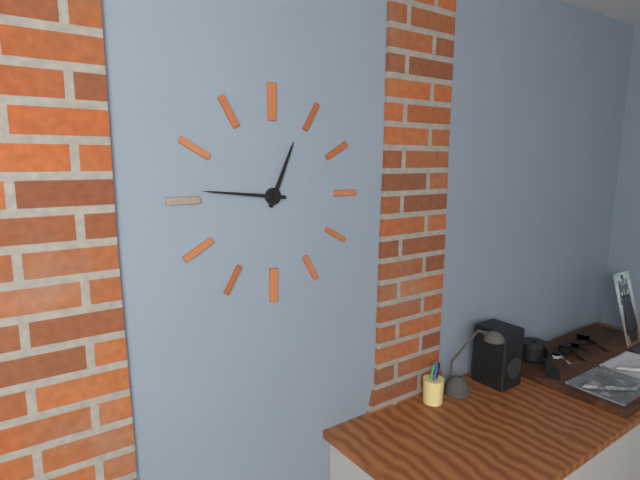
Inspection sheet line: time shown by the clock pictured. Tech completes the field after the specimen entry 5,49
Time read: 12,46
